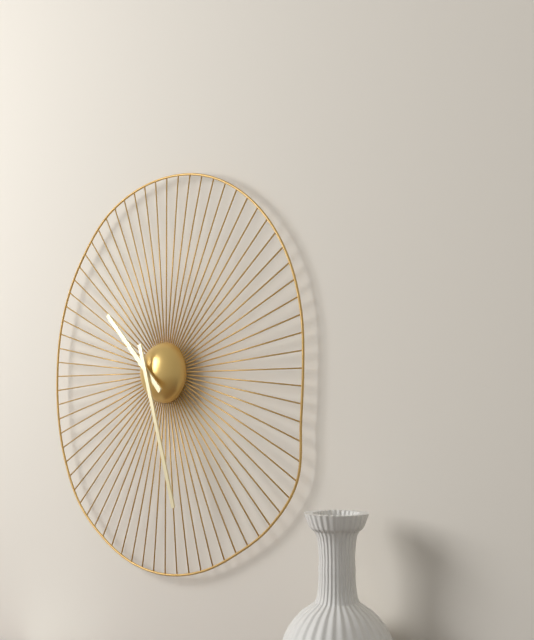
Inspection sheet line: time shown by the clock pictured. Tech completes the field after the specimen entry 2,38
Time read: 10,27
